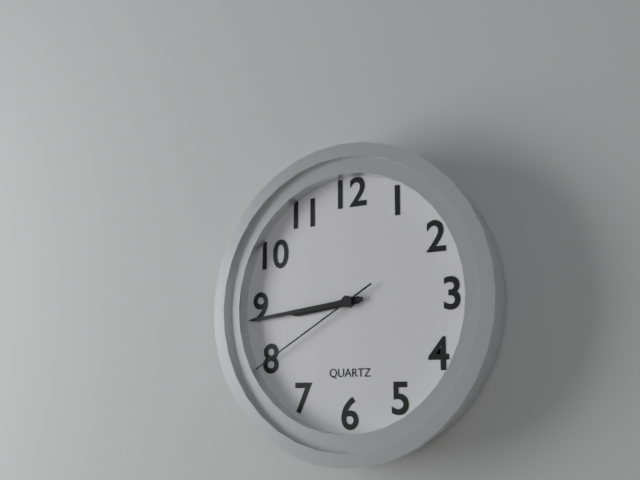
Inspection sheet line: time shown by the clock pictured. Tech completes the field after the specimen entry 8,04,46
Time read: 8,44,40
